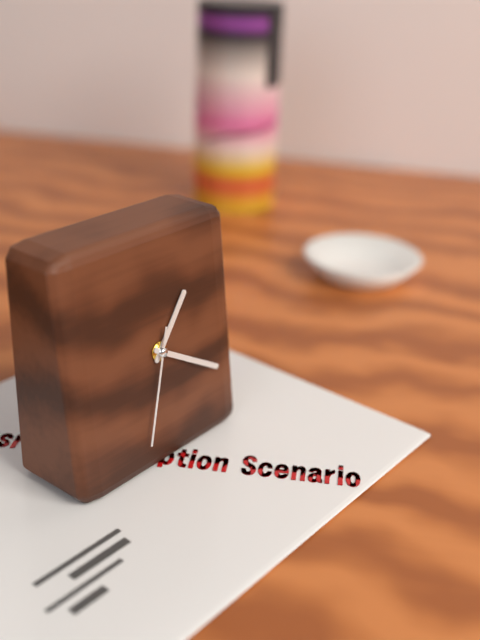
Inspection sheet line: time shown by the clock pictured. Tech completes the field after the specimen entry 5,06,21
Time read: 1,20,33
